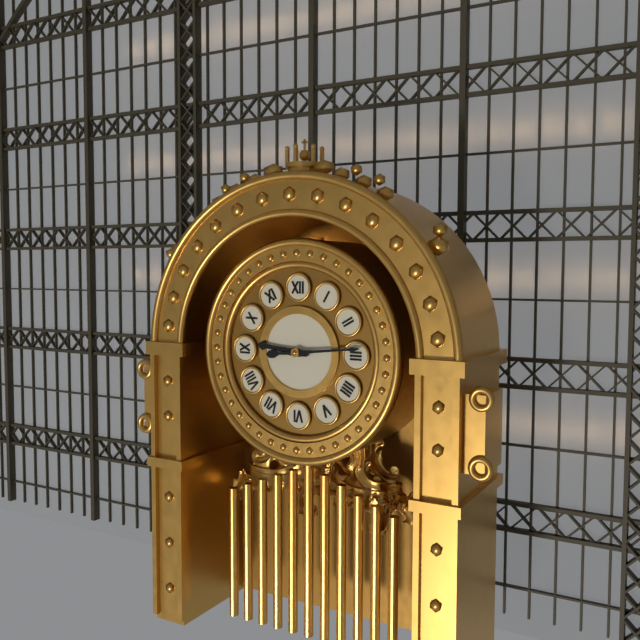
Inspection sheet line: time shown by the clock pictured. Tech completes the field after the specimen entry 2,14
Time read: 9,14
